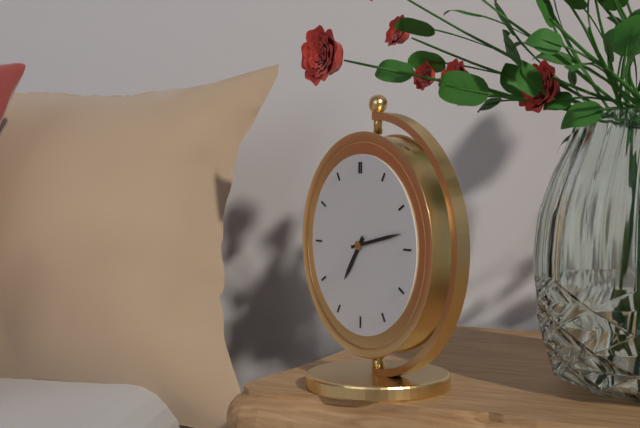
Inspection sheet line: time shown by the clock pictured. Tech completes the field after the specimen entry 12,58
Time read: 7,13
